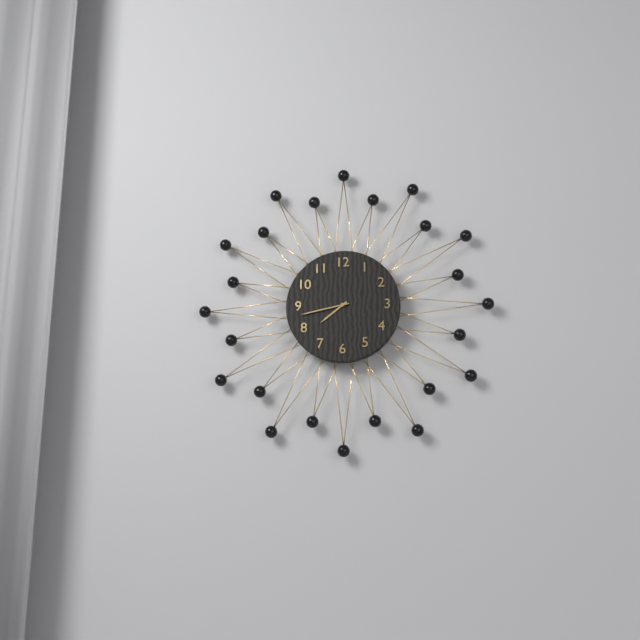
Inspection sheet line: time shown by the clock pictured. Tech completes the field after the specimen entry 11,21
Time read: 7,43
